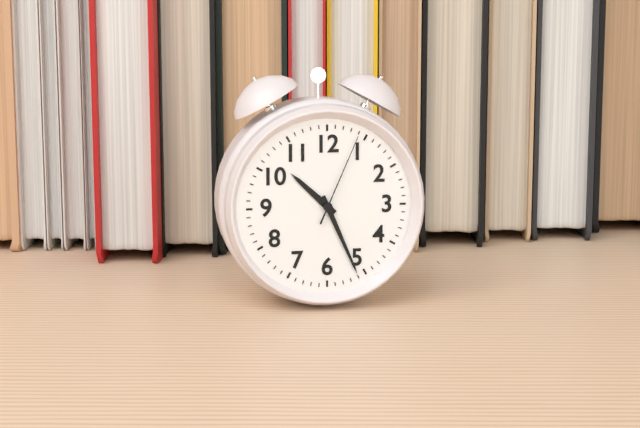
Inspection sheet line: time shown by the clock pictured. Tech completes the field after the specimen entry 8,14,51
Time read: 10,26,04
